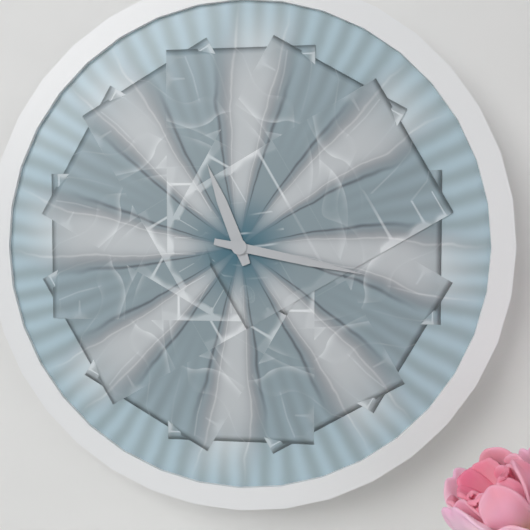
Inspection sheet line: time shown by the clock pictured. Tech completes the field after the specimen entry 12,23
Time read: 11,17
